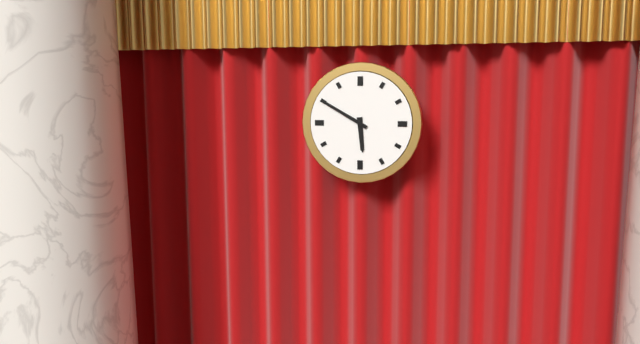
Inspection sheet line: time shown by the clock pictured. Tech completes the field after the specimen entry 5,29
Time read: 5,50
